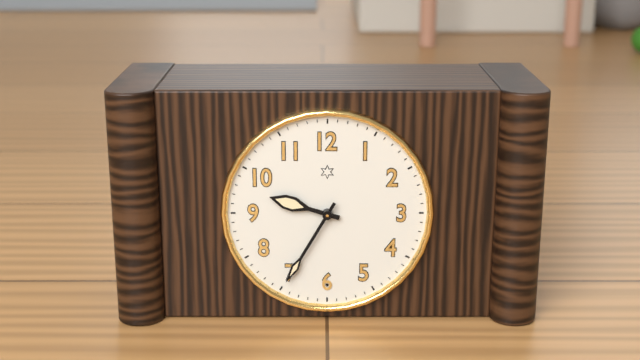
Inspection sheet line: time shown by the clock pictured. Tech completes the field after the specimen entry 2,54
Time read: 9,35
